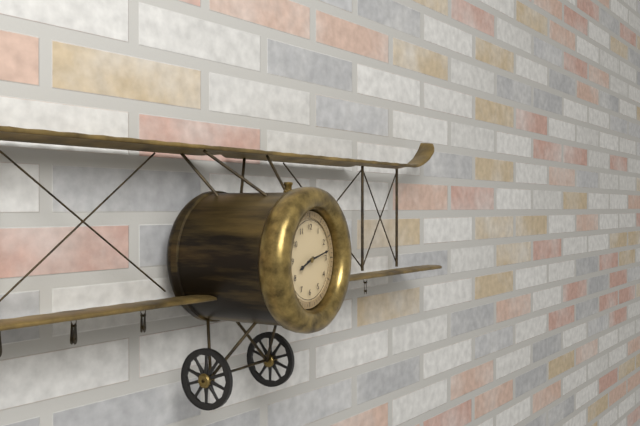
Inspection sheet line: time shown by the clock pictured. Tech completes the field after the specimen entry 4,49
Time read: 8,13
